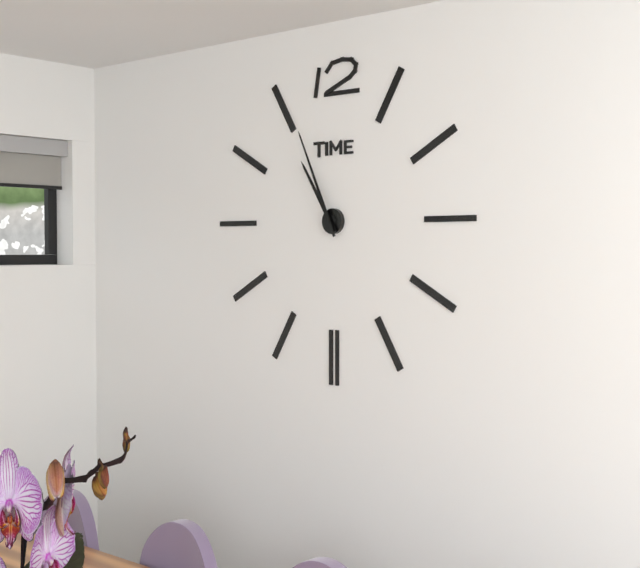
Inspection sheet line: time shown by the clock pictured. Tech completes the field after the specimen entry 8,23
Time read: 10,56
